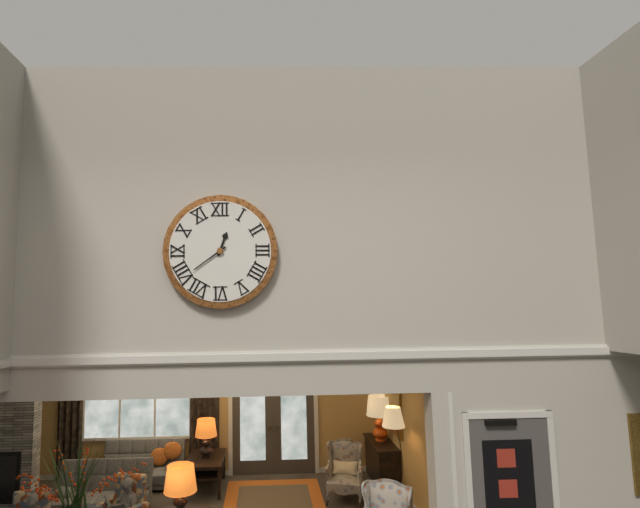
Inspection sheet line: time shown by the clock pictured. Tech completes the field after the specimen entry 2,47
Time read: 12,39
